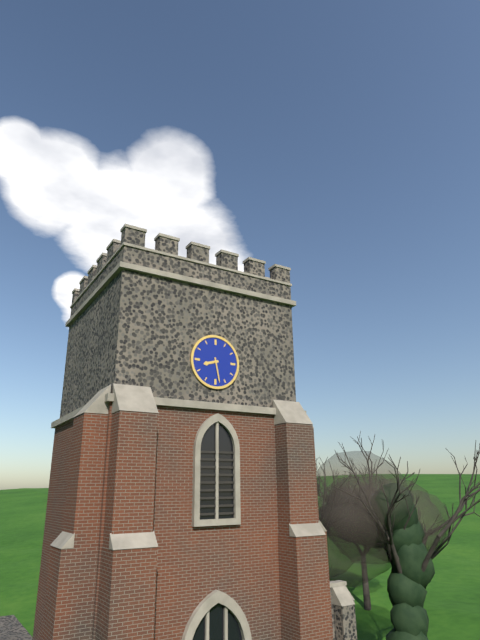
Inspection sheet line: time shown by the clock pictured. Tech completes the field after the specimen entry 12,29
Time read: 8,28
